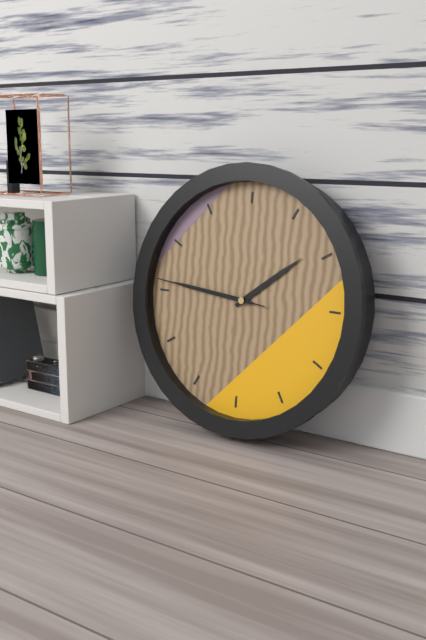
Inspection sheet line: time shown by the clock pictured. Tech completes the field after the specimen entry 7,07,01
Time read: 1,46,46
